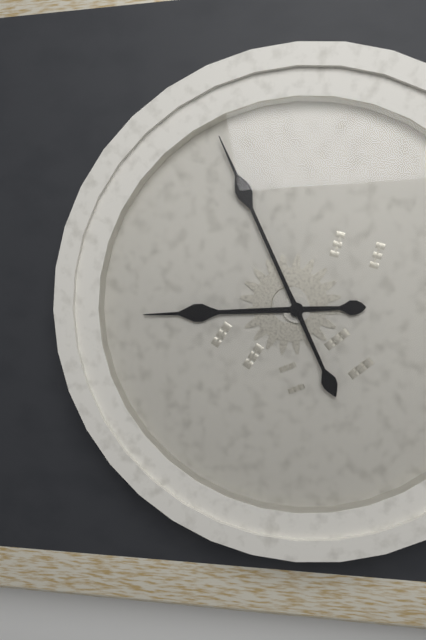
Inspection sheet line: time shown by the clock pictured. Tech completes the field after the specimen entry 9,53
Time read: 8,56
